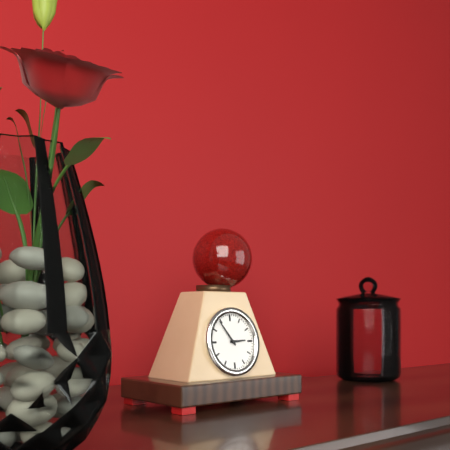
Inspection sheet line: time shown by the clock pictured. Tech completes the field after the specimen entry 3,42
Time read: 2,54
